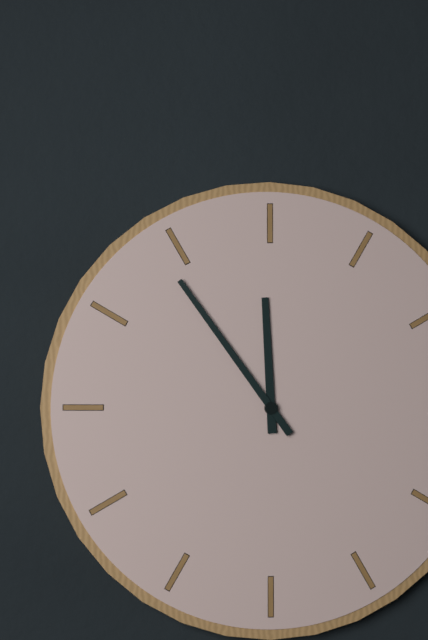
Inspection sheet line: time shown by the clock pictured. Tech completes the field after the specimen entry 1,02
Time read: 11,54
